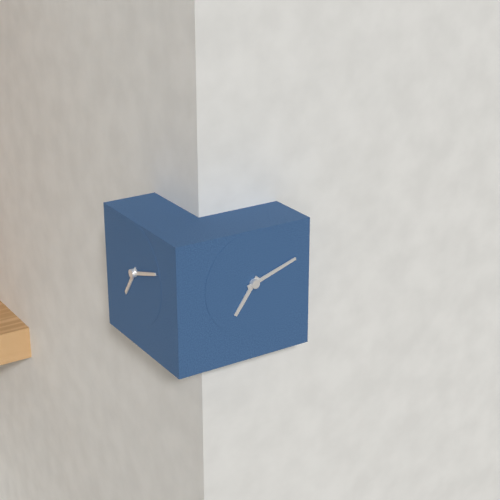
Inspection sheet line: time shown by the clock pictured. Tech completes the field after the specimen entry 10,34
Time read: 7,12
